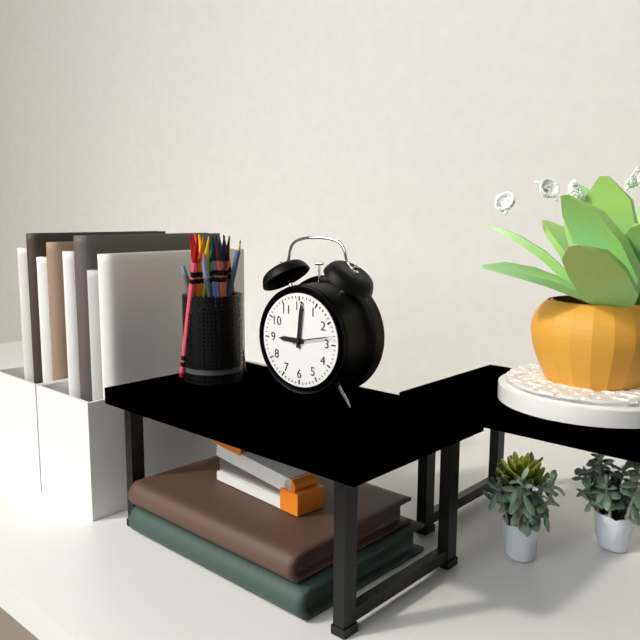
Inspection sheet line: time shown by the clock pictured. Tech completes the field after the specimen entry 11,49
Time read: 9,01
